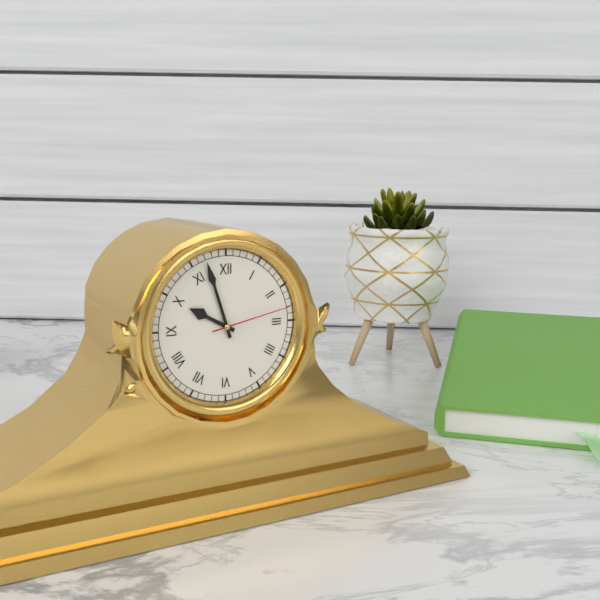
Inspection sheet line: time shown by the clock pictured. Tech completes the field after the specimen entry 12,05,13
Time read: 9,57,13
